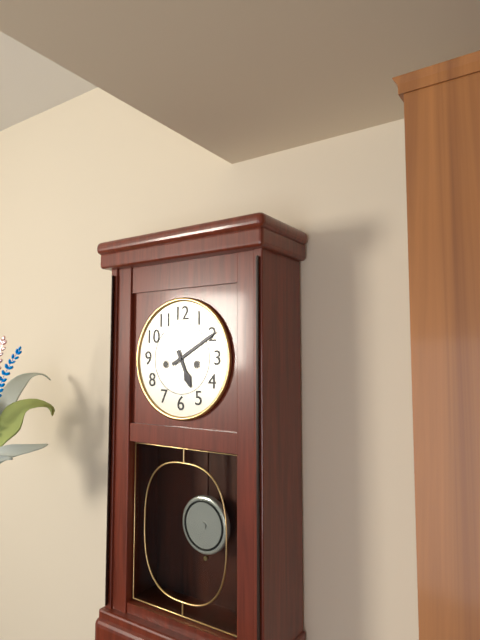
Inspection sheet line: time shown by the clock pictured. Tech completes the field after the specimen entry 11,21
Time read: 5,10
